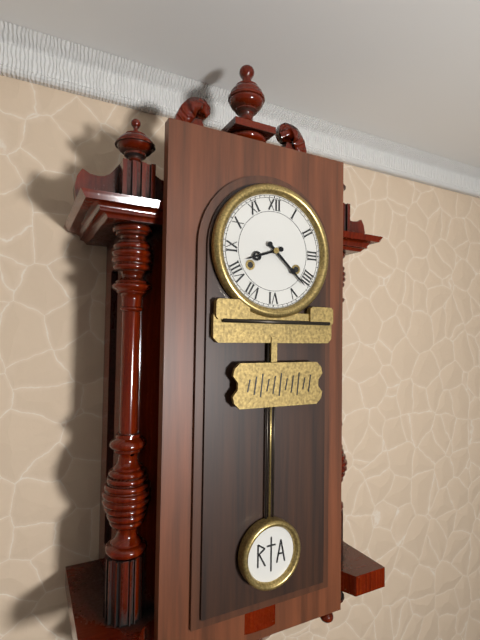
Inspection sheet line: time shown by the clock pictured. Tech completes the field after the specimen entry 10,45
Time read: 8,22
